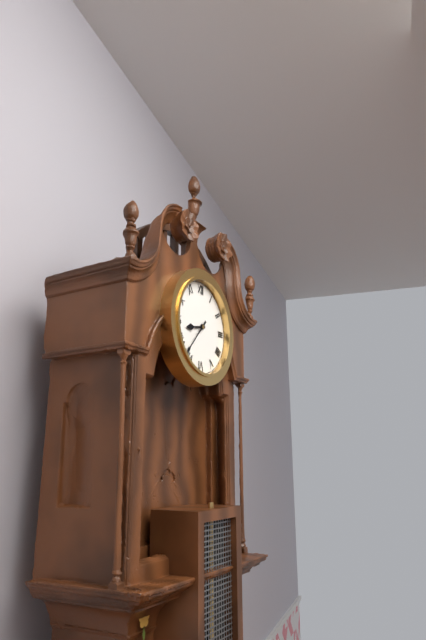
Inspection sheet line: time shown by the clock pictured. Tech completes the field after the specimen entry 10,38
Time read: 8,37
